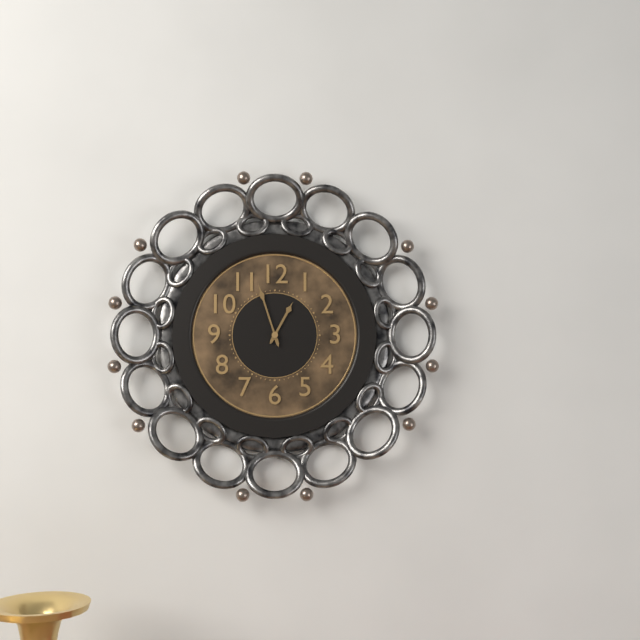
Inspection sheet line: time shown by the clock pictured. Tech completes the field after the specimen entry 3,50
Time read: 12,57
